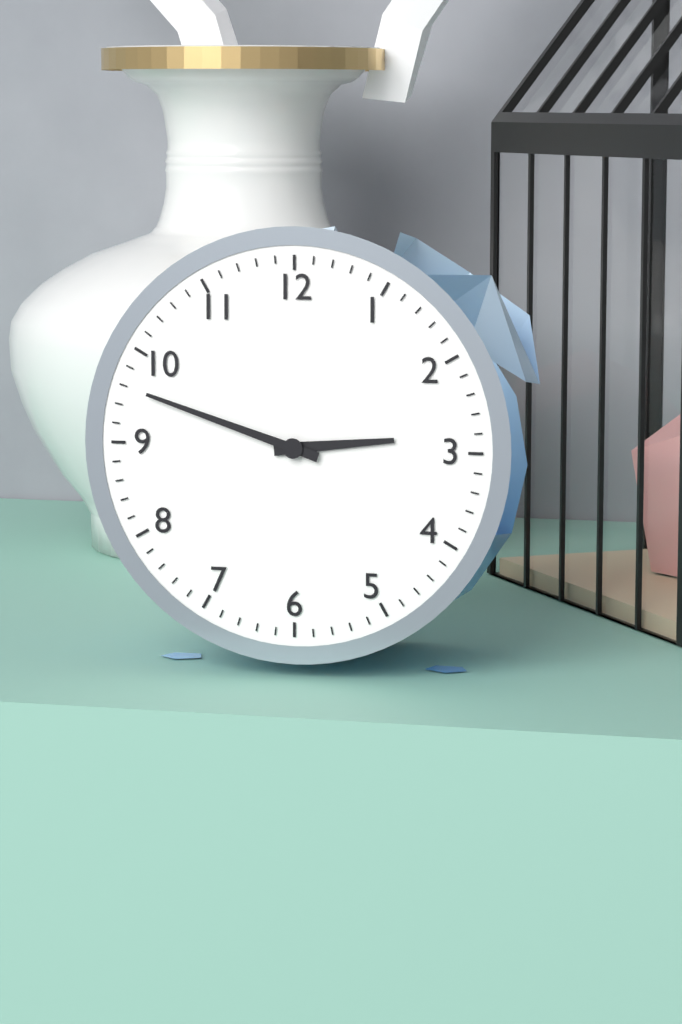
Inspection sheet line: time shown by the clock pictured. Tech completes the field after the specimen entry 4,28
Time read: 2,48
